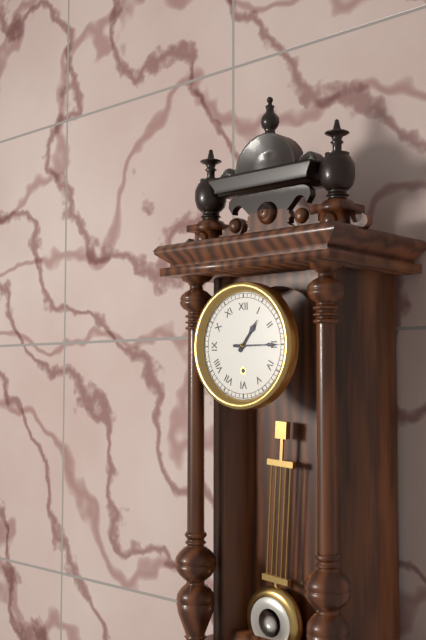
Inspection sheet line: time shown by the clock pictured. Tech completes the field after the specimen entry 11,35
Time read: 1,15
